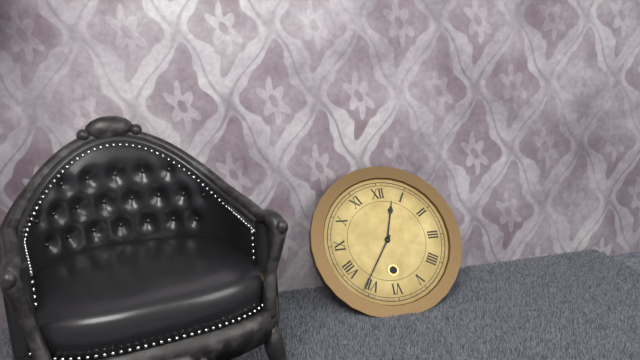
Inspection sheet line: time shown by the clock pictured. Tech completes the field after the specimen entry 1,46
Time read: 12,36
